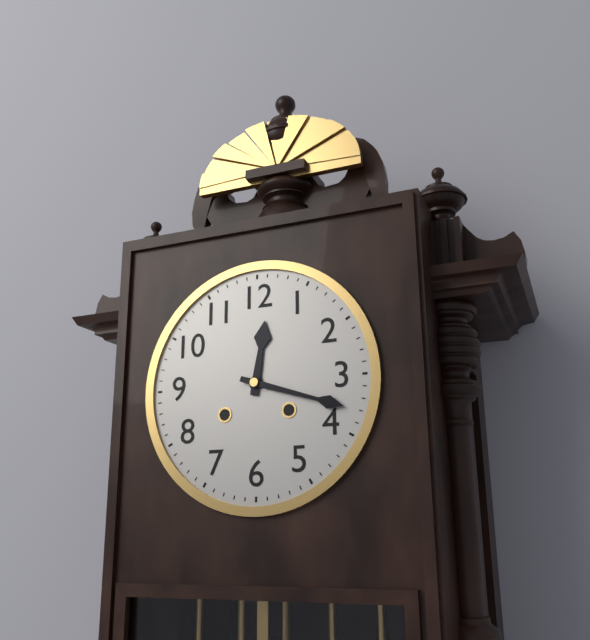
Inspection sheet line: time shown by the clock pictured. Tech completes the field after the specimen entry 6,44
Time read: 12,18
